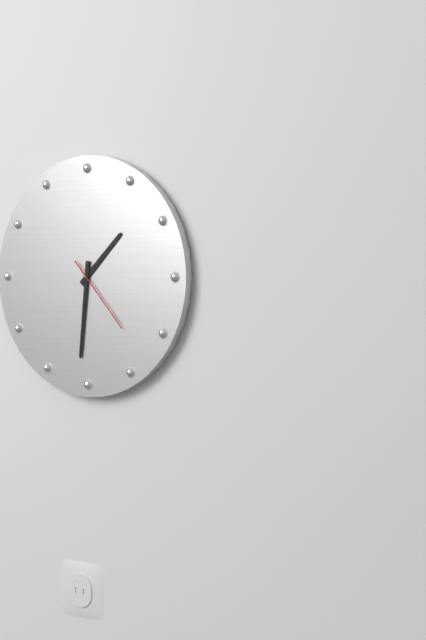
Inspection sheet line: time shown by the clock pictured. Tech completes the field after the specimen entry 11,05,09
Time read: 1,31,23
